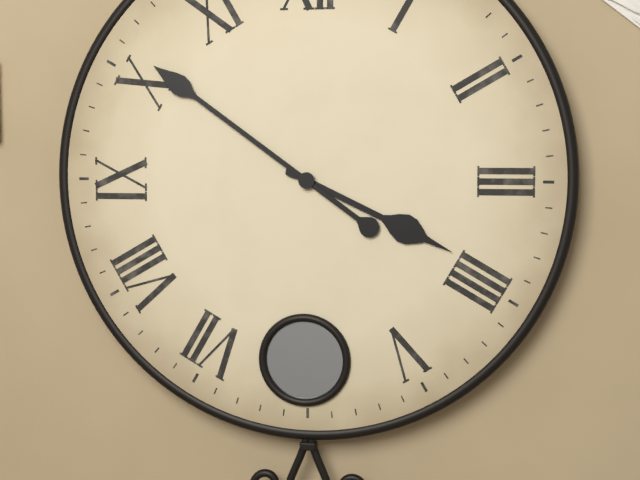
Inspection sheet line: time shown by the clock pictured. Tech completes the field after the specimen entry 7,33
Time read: 3,51
